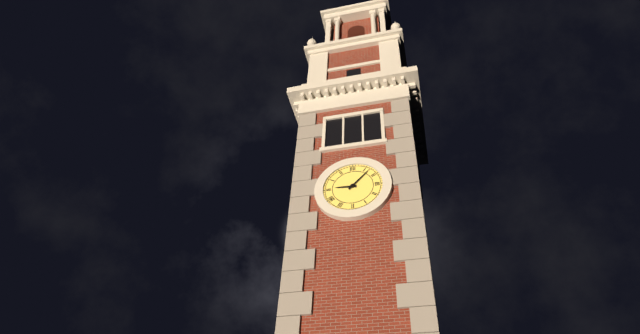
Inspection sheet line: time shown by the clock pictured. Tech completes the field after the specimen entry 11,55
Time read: 9,07
